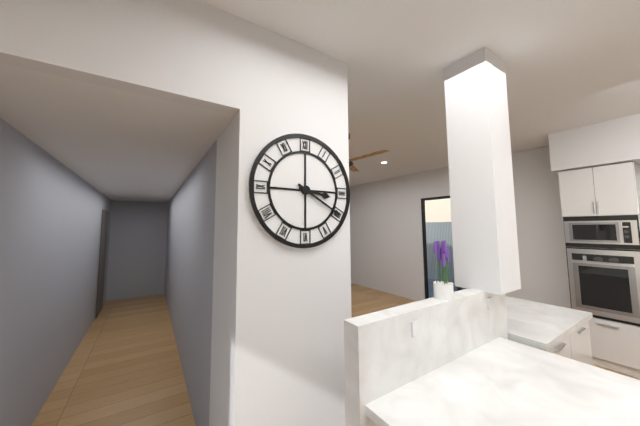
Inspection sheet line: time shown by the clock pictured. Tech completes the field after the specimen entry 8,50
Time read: 3,20
